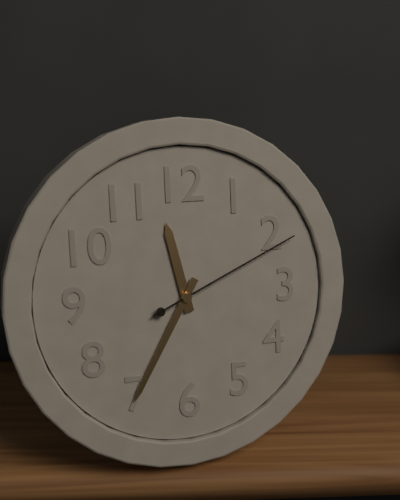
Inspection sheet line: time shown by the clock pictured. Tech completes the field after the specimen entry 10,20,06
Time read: 11,35,11
